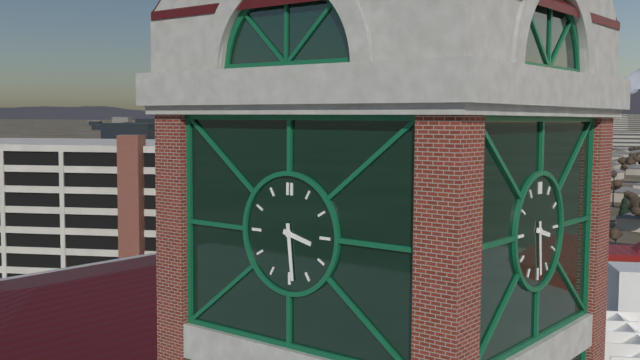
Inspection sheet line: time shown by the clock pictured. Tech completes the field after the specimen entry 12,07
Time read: 3,29
